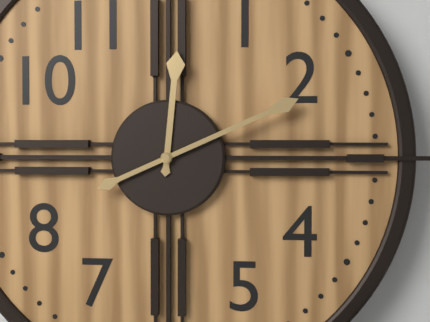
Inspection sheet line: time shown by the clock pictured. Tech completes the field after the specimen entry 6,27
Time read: 12,11
